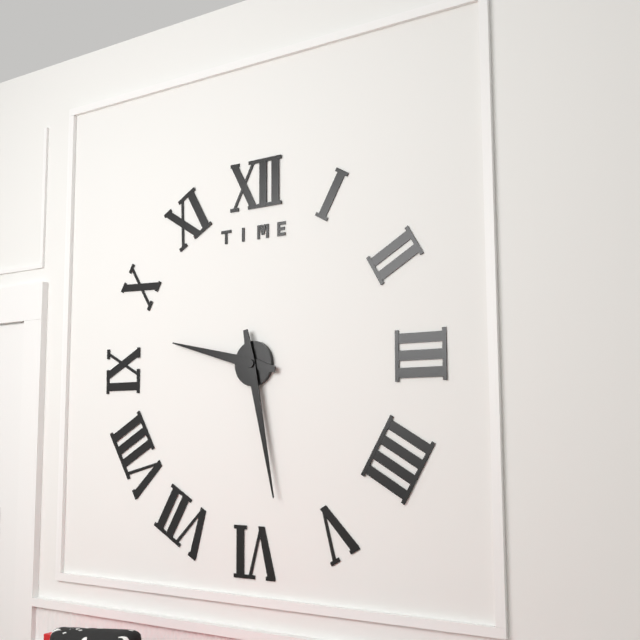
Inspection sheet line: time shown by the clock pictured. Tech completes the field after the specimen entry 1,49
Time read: 9,28
